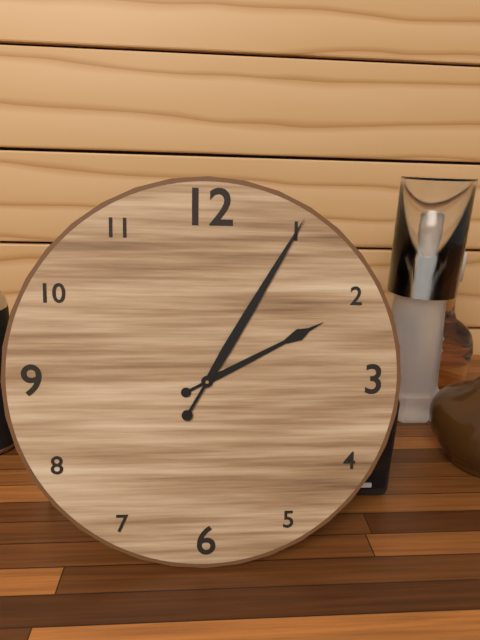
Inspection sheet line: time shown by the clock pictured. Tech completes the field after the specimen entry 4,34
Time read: 2,05
